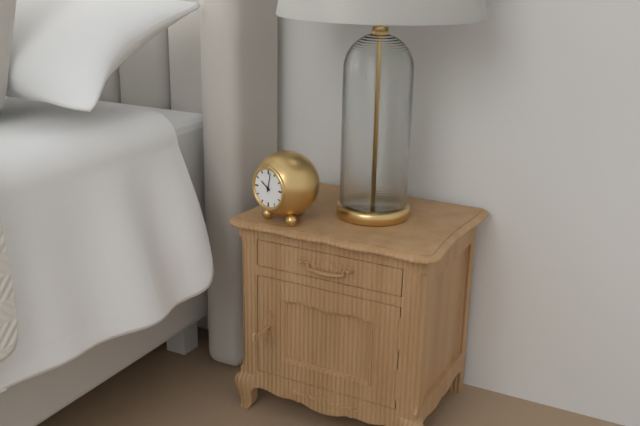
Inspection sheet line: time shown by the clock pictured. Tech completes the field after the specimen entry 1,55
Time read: 10,02
